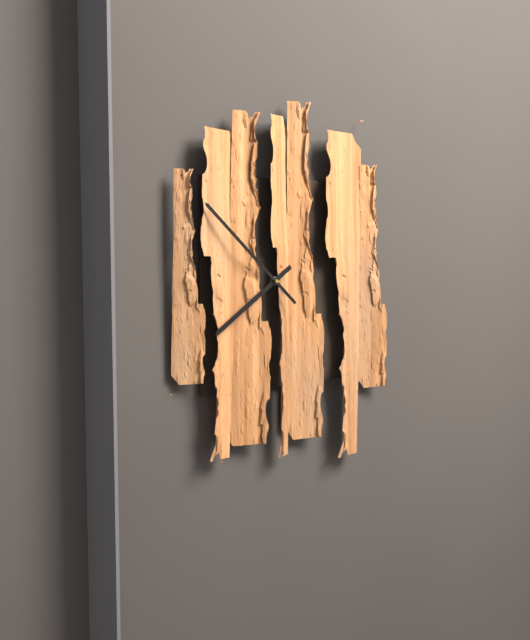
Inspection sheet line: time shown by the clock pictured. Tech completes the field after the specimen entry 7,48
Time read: 7,52
